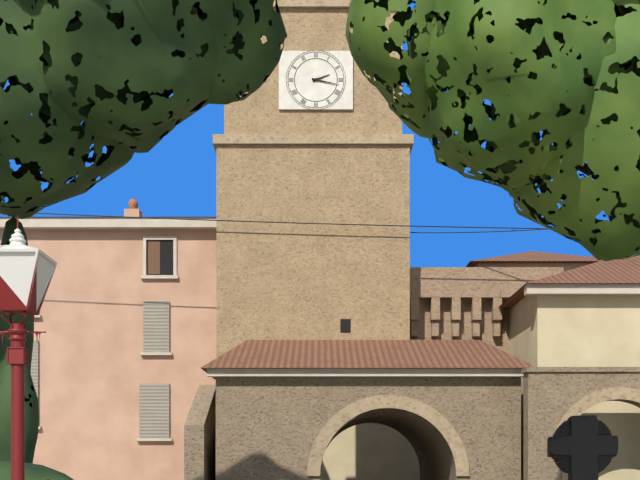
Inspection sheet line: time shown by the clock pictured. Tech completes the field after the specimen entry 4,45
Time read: 2,17
